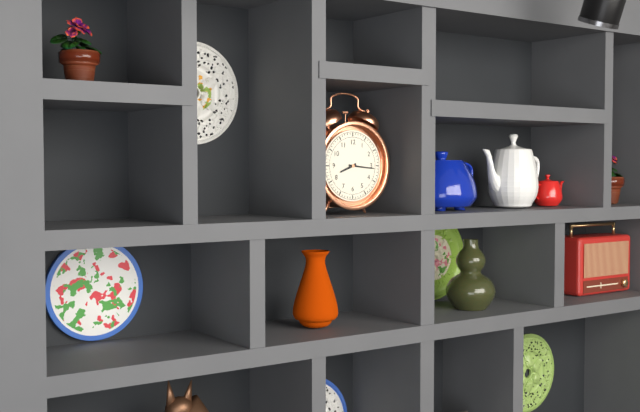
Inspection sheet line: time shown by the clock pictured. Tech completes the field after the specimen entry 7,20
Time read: 8,16
